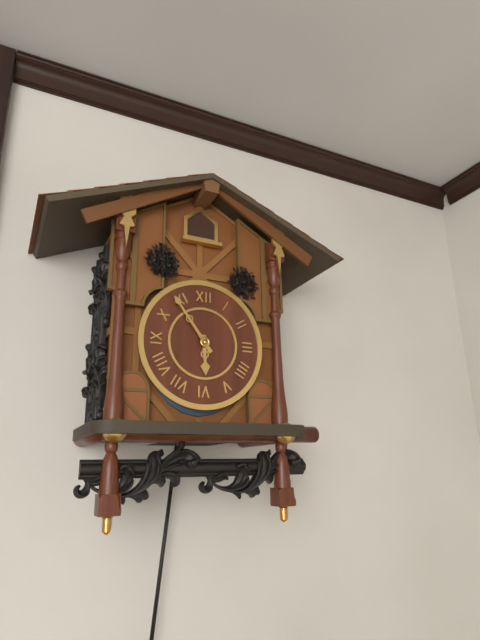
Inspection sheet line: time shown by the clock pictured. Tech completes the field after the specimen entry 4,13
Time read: 5,54
